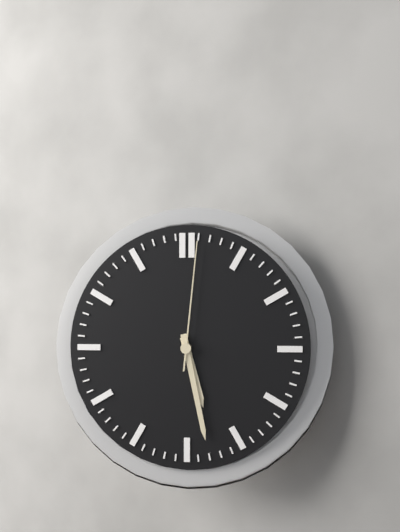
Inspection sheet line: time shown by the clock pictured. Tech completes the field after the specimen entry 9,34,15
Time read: 5,28,01
